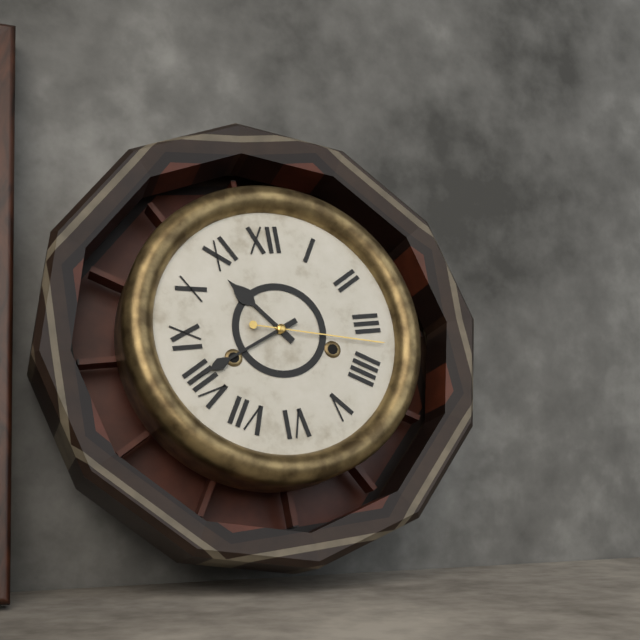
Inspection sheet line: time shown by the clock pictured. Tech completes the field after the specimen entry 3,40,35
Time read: 10,41,17
